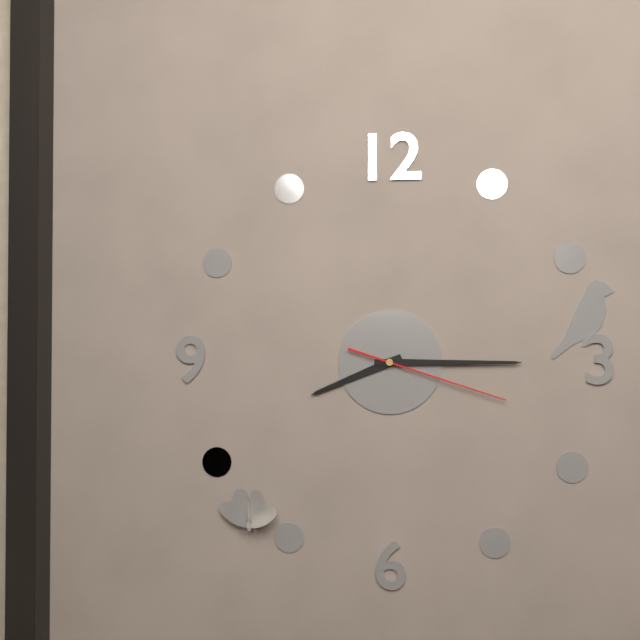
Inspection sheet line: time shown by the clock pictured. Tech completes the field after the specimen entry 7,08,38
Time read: 8,15,18
